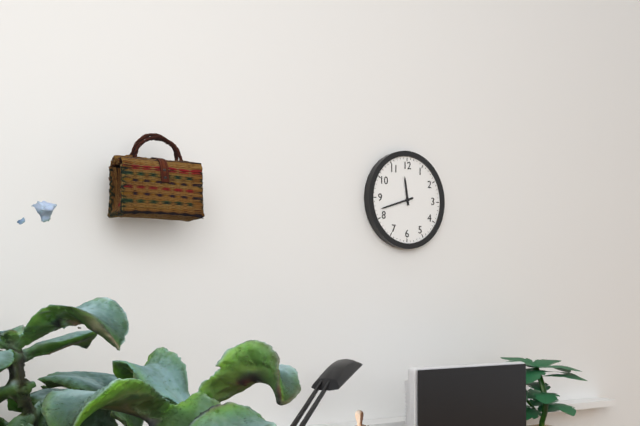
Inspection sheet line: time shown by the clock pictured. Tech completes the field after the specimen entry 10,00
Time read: 11,42
